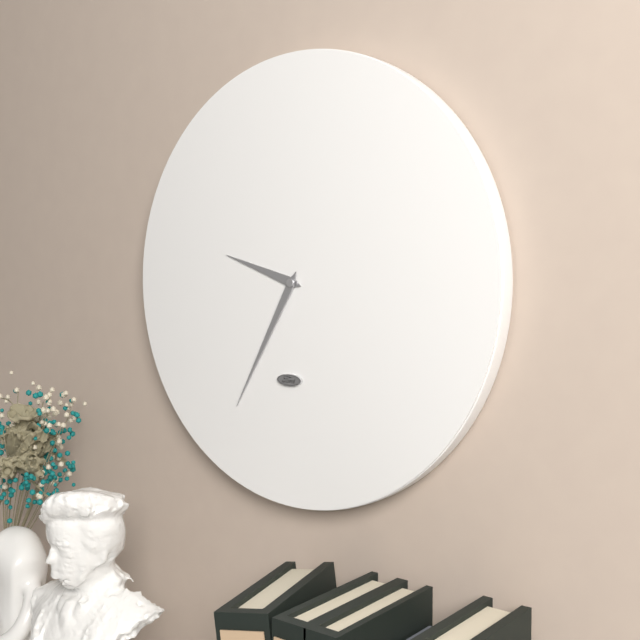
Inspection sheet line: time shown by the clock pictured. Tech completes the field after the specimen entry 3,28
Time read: 9,35
